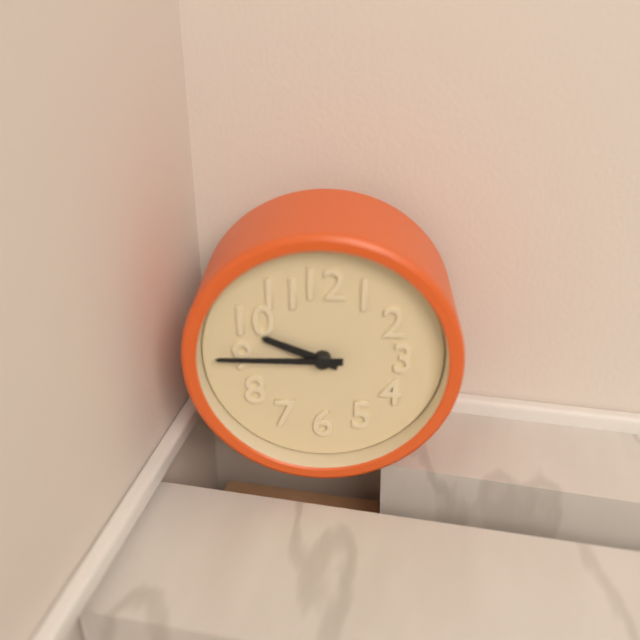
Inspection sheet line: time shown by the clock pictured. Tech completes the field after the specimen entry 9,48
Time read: 9,45
